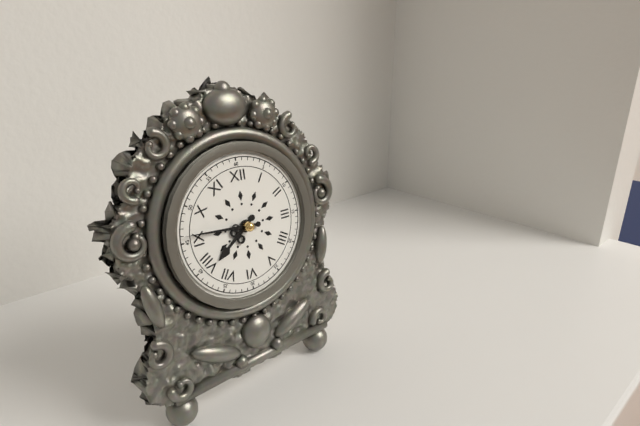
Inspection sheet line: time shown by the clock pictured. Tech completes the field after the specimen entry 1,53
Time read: 7,46
